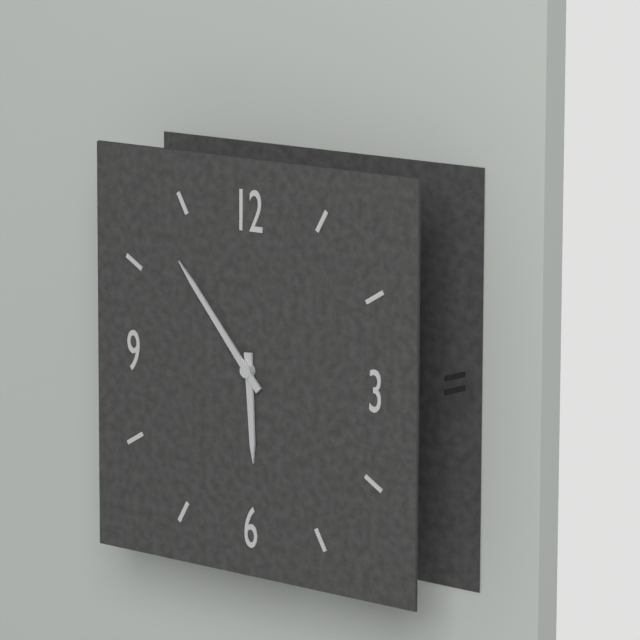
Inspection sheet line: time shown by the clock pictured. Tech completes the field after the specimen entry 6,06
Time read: 5,53
